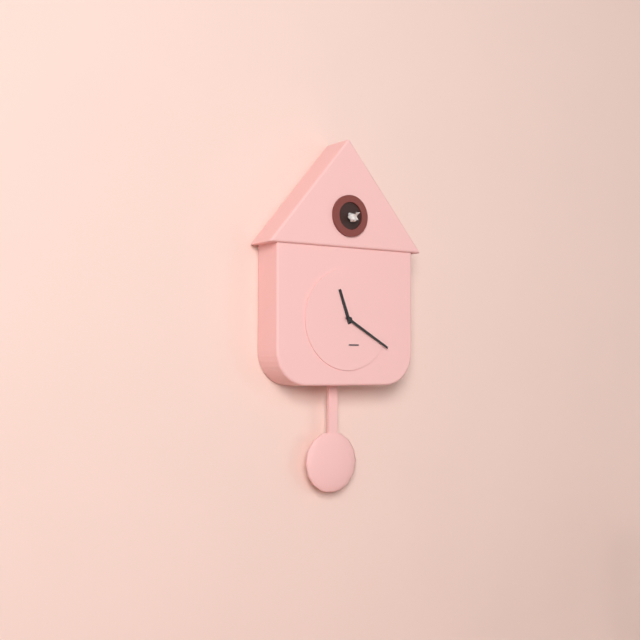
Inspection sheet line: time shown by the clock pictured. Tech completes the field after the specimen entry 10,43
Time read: 11,20
